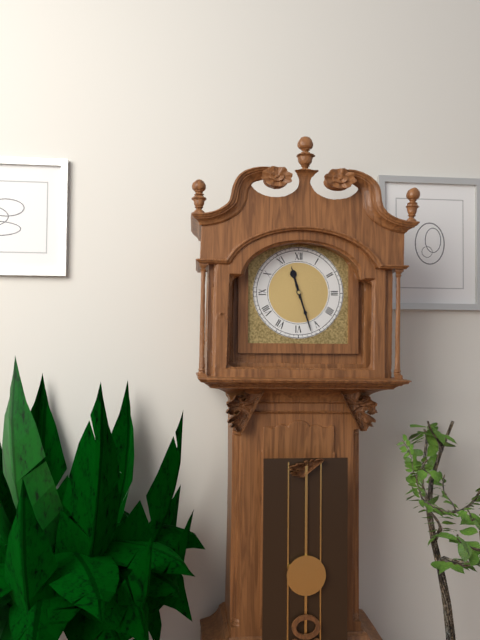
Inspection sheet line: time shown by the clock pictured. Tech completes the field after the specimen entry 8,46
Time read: 11,27
